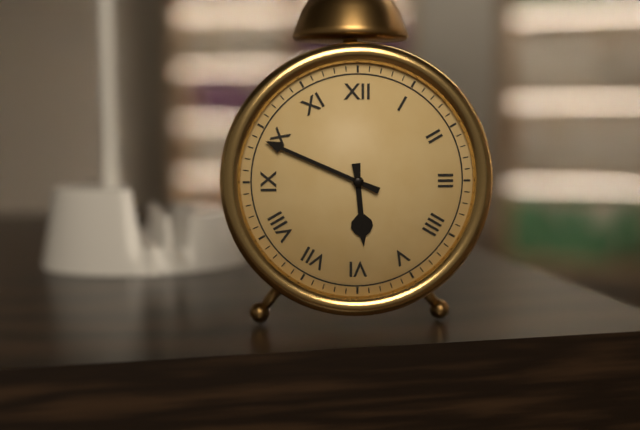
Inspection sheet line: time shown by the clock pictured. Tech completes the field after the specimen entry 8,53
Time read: 5,49
